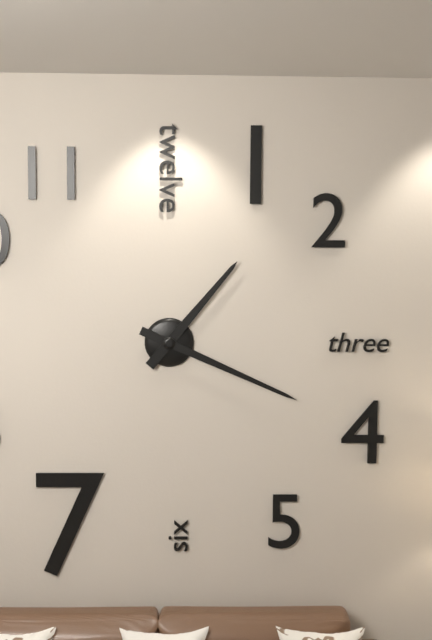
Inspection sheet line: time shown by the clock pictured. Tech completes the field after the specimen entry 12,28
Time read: 1,19
